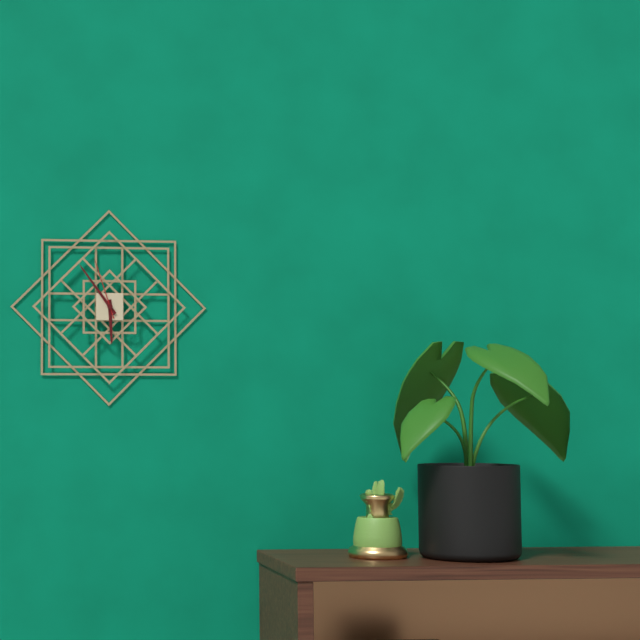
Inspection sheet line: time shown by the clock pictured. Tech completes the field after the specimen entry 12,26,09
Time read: 5,54,57
